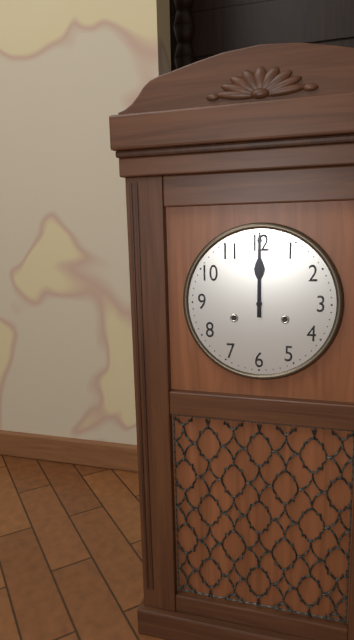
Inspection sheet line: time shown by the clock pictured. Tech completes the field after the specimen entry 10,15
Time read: 12,00
